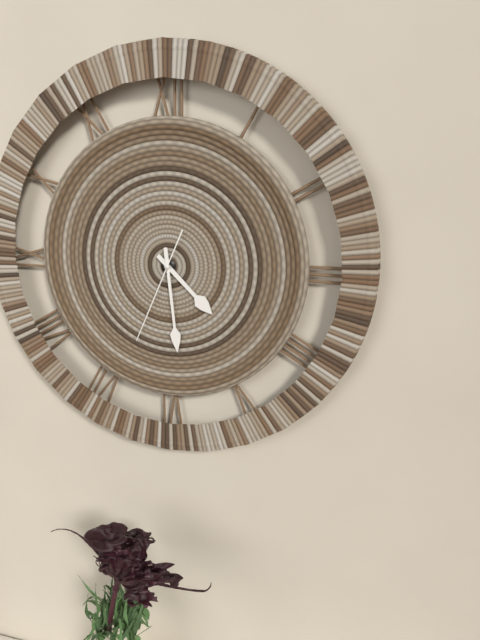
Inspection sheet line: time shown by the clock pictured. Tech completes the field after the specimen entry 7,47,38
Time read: 4,29,34
